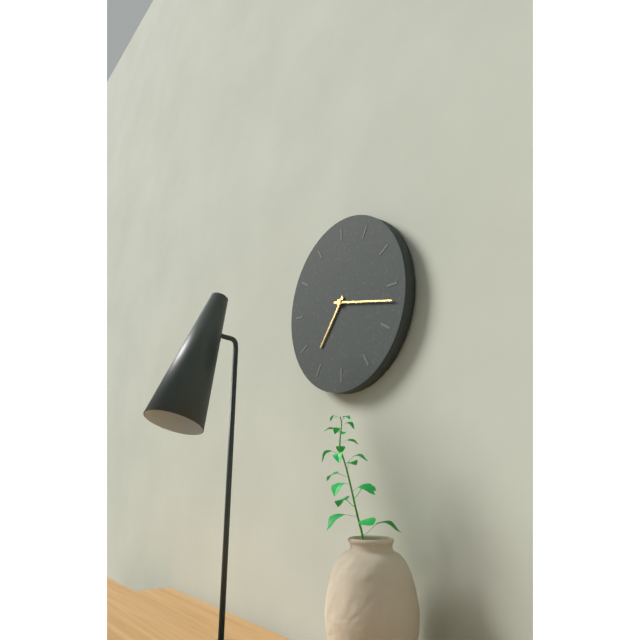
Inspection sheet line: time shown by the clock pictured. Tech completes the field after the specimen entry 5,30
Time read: 7,17
